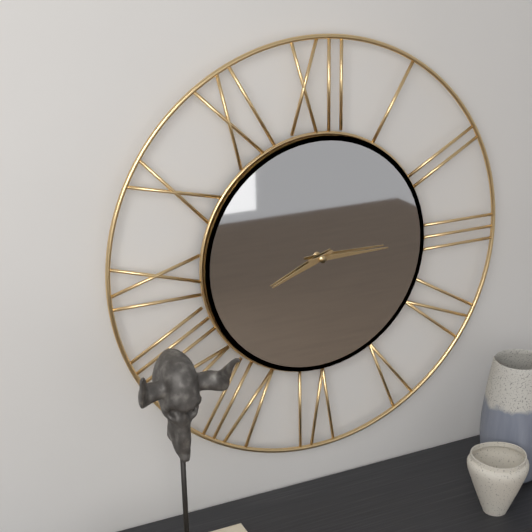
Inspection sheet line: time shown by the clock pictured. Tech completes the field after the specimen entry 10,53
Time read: 8,15
